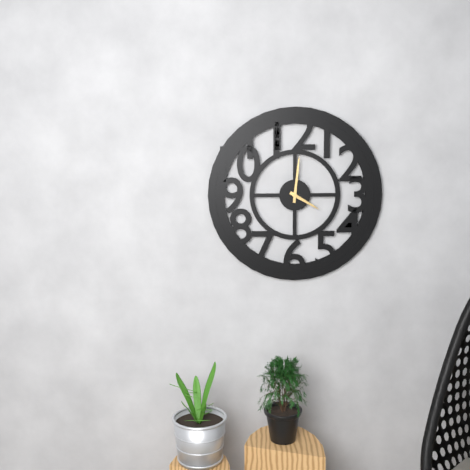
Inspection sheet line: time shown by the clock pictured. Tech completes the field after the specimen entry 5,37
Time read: 4,01
